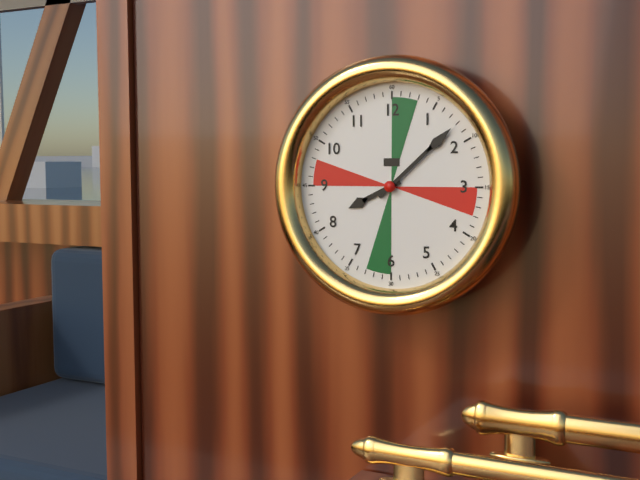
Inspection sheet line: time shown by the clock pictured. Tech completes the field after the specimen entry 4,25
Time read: 8,08
